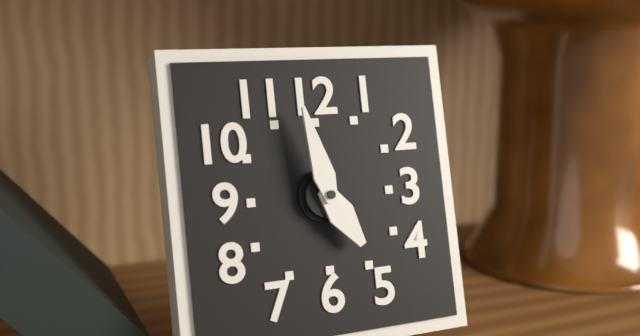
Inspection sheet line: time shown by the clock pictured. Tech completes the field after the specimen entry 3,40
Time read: 4,58
